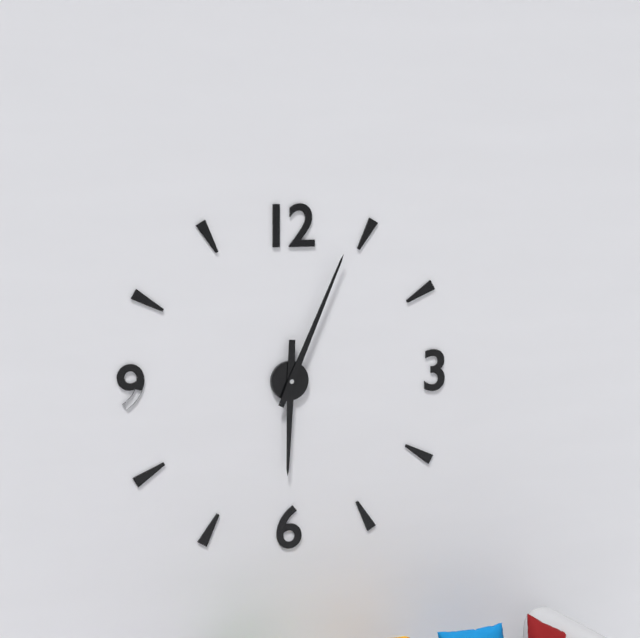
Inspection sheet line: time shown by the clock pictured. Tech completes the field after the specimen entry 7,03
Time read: 6,04
